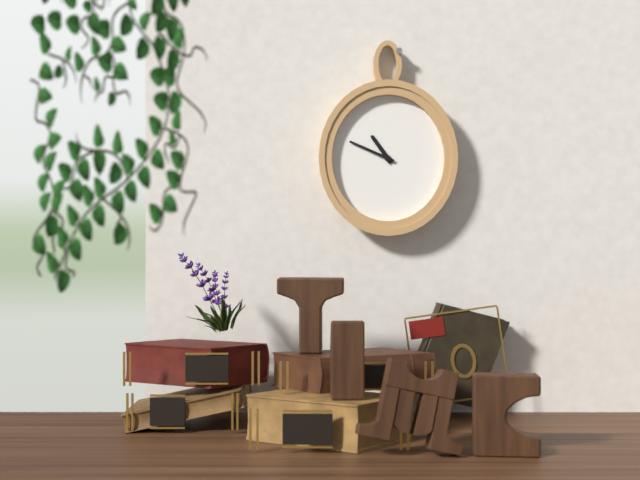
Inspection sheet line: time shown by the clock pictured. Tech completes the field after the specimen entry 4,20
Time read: 10,49
